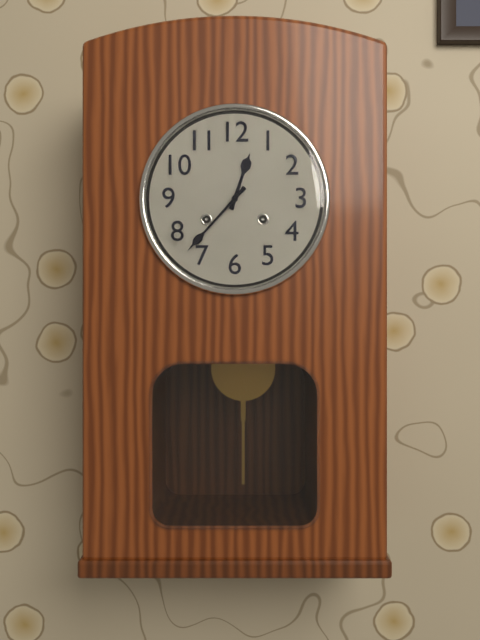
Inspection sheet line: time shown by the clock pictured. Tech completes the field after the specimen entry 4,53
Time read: 12,37
